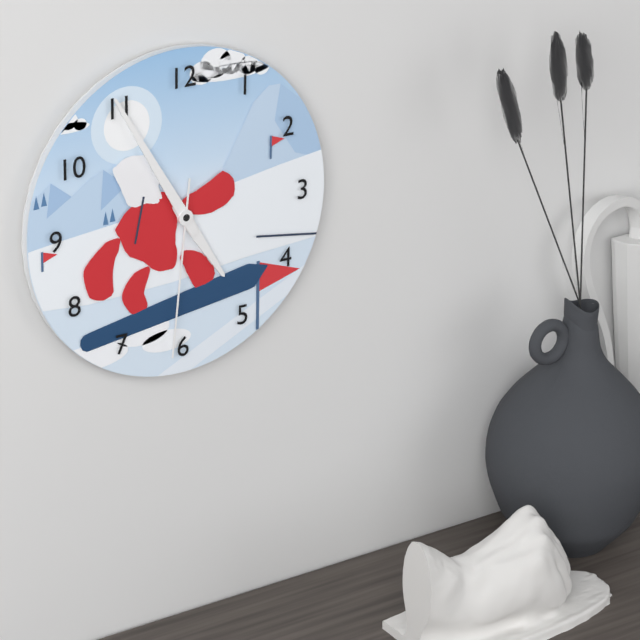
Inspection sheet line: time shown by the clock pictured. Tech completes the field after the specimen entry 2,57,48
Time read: 4,55,31
